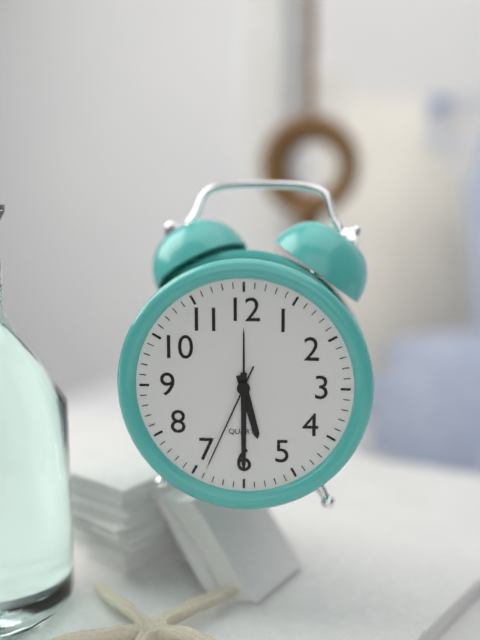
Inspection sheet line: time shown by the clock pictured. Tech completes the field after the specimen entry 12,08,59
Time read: 5,30,34
